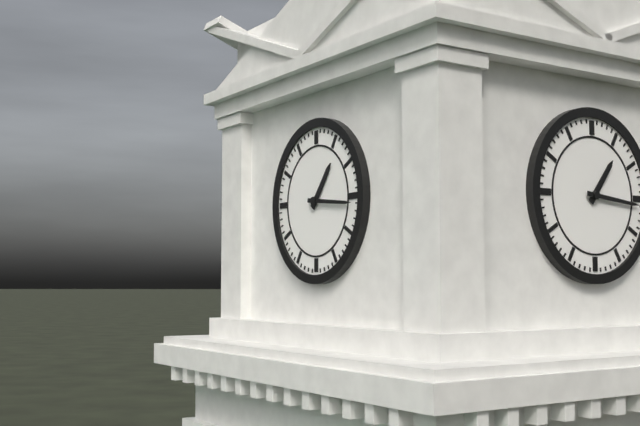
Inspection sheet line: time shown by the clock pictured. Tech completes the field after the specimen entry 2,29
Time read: 1,16
